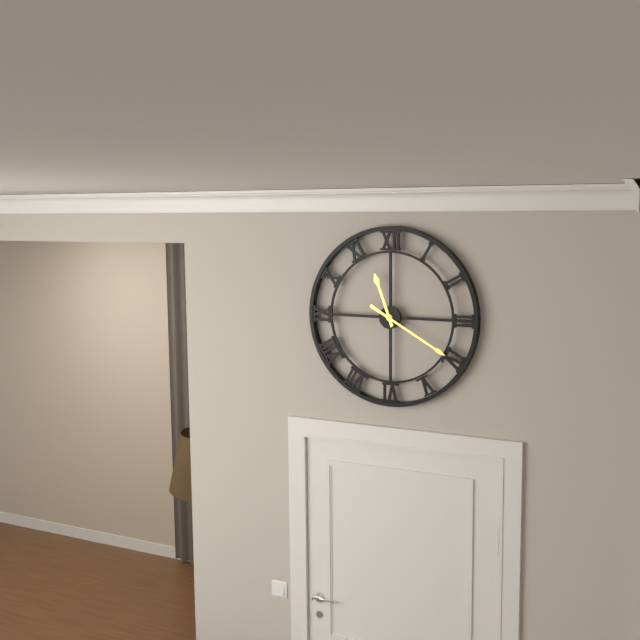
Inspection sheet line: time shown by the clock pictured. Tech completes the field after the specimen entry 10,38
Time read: 11,20
